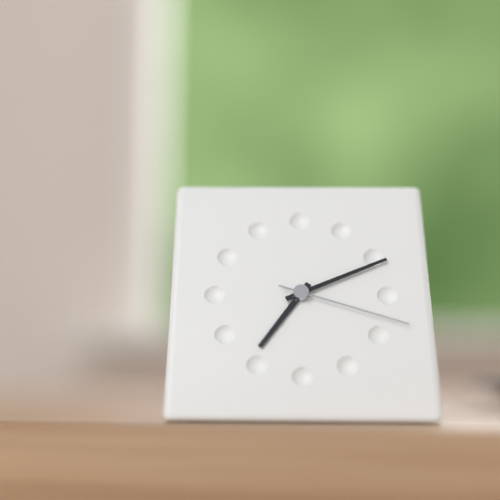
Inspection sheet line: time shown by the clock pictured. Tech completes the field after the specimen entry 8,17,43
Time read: 7,11,18
